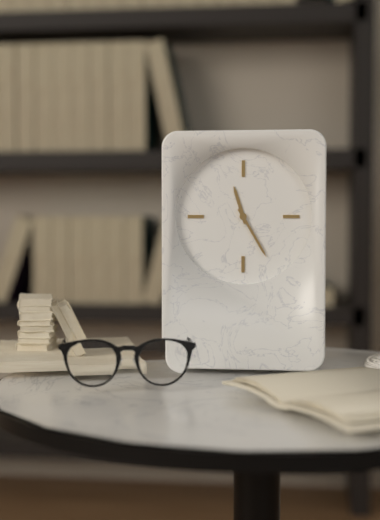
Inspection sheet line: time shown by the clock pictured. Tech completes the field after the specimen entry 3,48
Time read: 11,25
